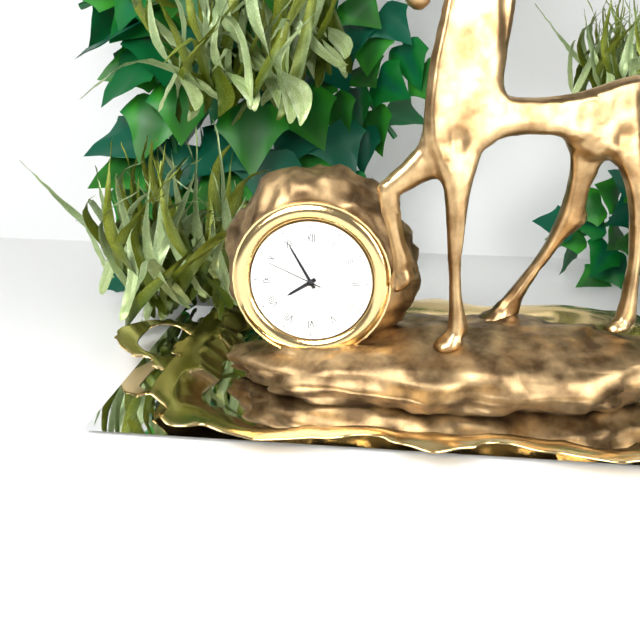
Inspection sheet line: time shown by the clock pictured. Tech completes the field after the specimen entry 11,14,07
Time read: 7,55,49
